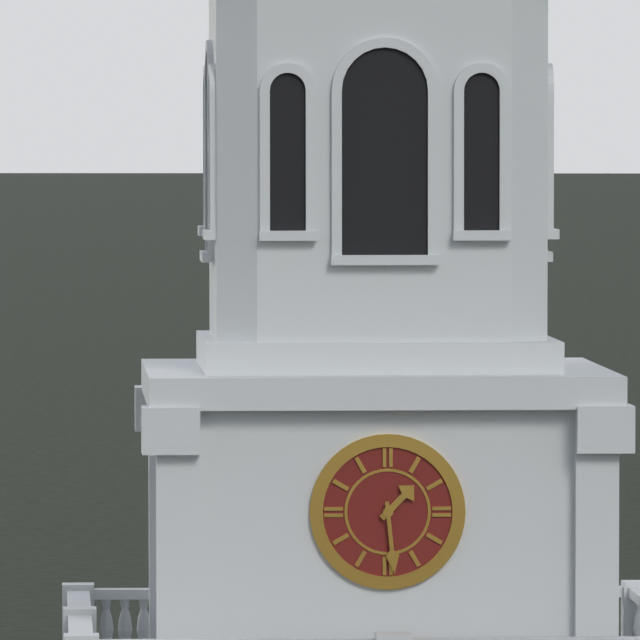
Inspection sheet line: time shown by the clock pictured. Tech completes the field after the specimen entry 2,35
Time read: 1,29
